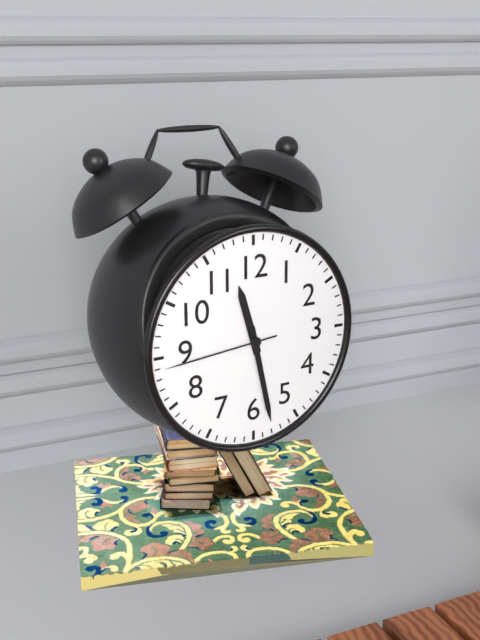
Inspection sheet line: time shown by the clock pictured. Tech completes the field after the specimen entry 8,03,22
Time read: 11,28,44
